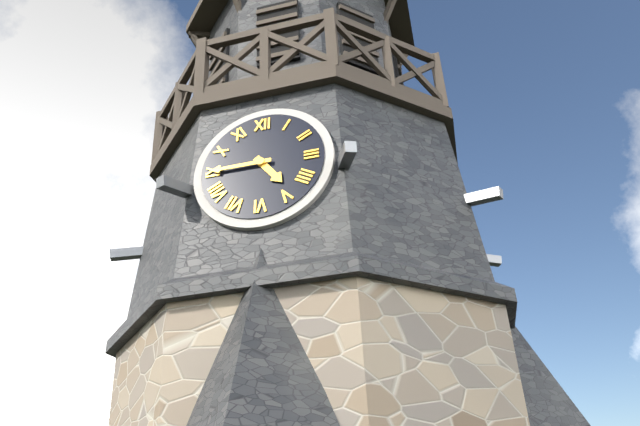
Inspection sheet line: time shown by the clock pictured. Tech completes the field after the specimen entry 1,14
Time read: 4,45
